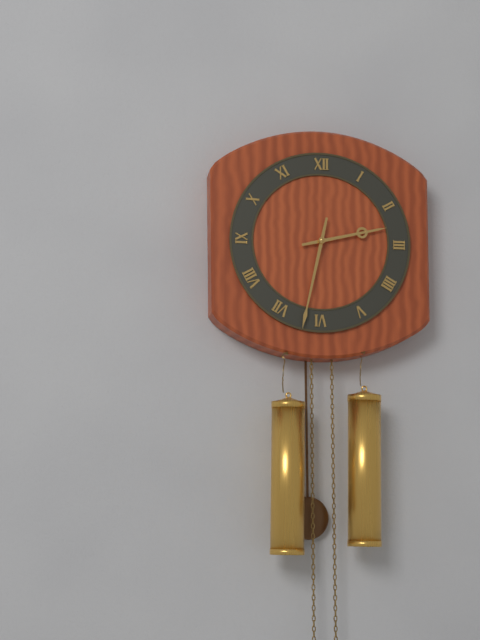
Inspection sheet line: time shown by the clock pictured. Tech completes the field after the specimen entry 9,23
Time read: 2,32
